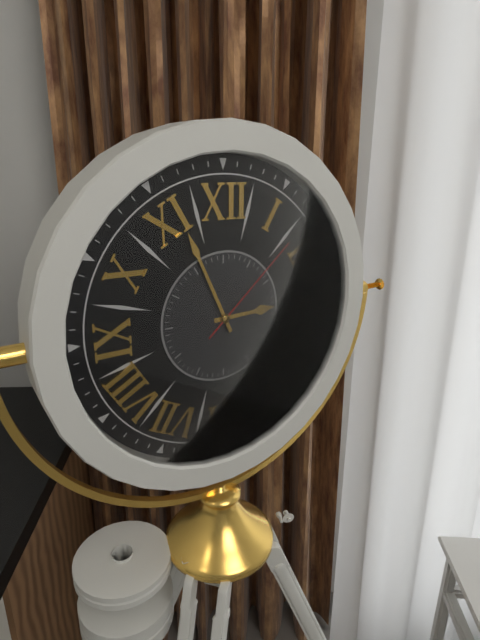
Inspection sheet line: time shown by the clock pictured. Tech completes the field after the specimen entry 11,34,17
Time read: 2,56,08
